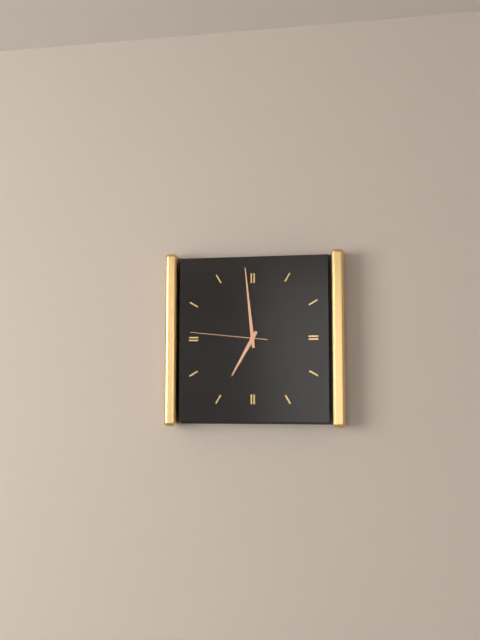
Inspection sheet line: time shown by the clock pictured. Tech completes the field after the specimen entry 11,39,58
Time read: 6,59,46
